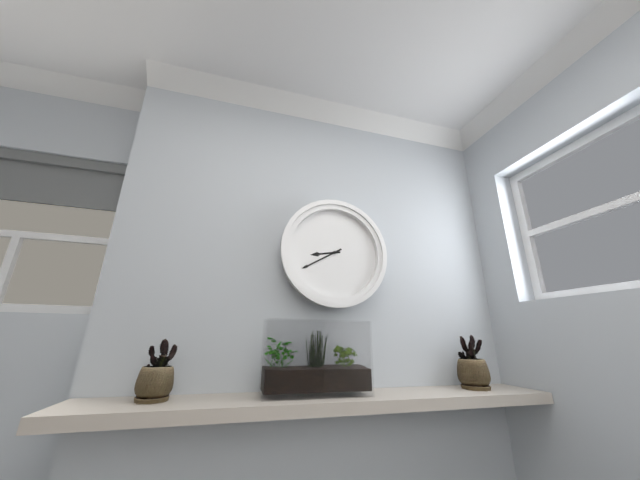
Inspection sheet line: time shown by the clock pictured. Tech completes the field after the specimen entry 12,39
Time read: 8,40
